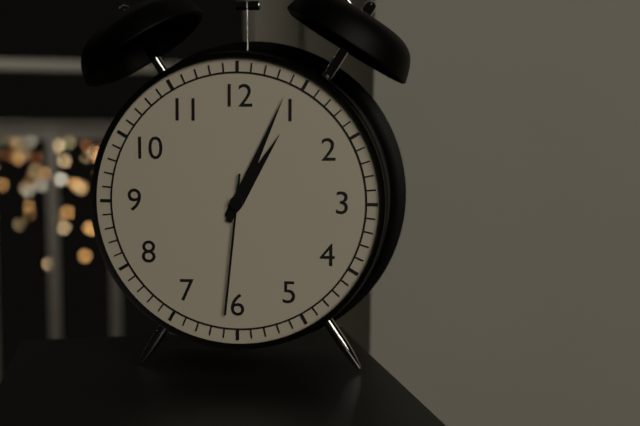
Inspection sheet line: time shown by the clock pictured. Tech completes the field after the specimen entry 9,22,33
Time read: 1,04,31
